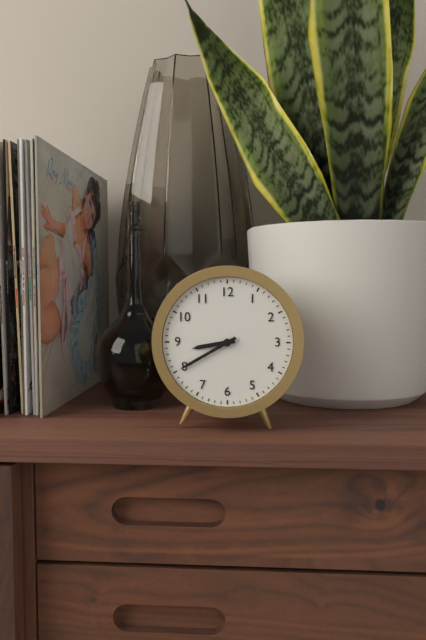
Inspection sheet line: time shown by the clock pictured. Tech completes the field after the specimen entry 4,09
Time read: 8,40
